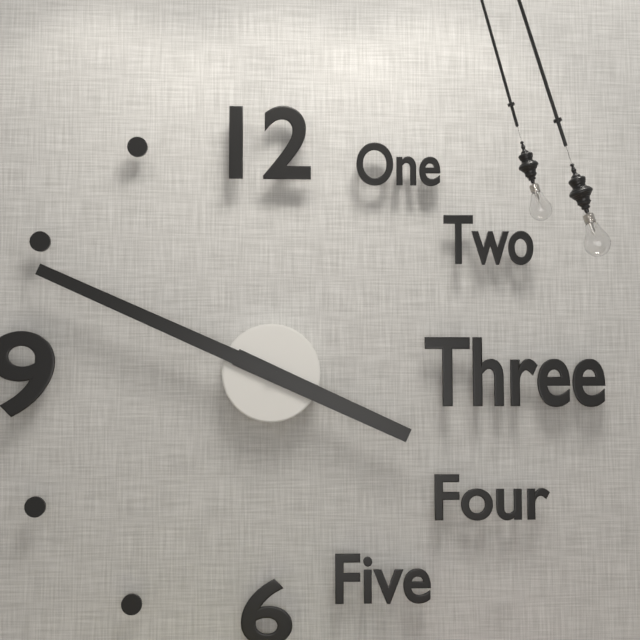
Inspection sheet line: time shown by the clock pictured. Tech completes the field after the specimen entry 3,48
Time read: 3,49
